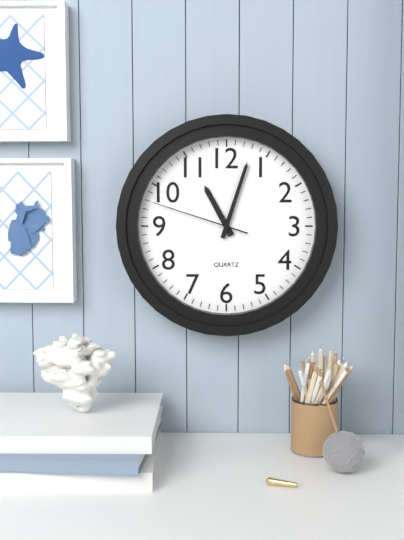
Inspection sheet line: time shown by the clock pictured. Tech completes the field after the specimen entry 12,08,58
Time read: 11,03,48
